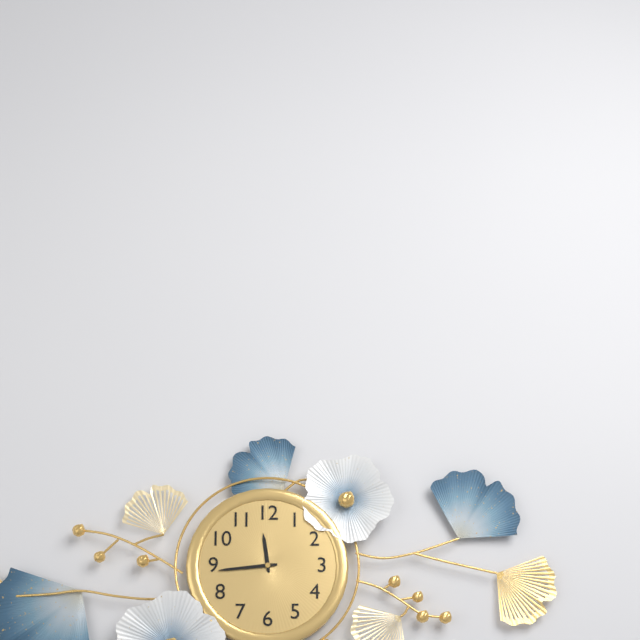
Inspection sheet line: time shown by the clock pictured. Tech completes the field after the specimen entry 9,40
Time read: 11,44
